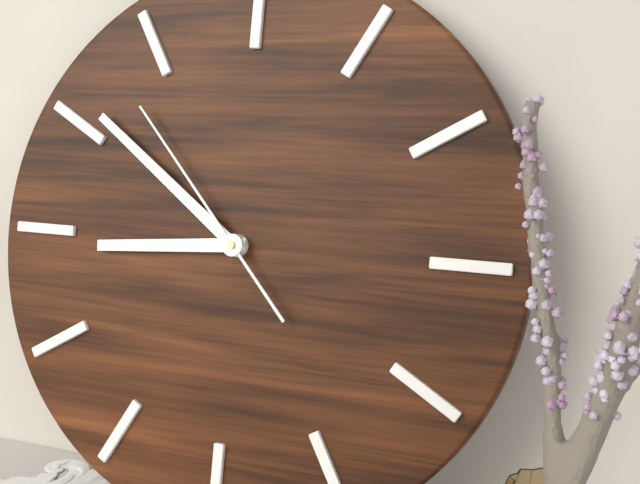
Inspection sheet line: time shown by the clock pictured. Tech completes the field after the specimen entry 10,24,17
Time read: 8,51,53
